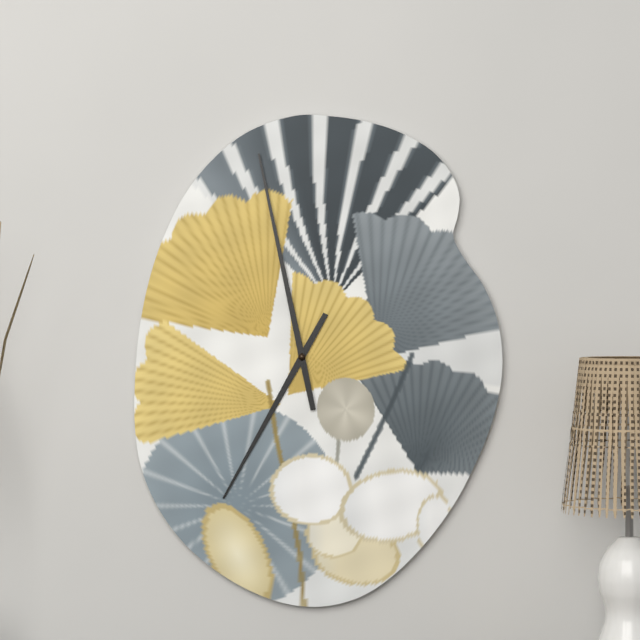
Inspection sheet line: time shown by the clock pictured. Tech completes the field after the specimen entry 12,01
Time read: 6,58
